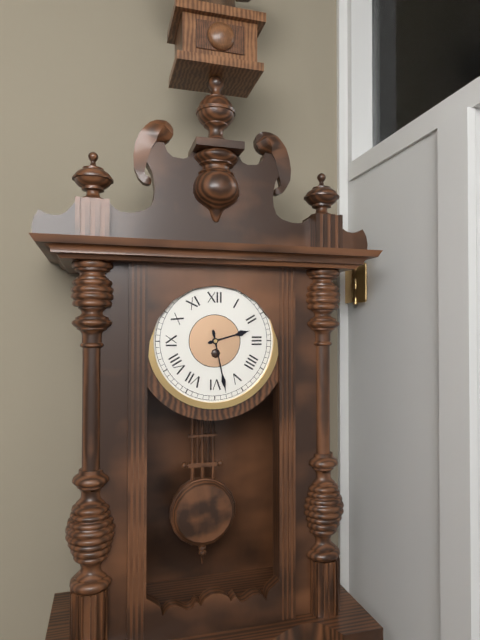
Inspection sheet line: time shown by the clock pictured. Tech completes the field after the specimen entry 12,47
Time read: 2,28
